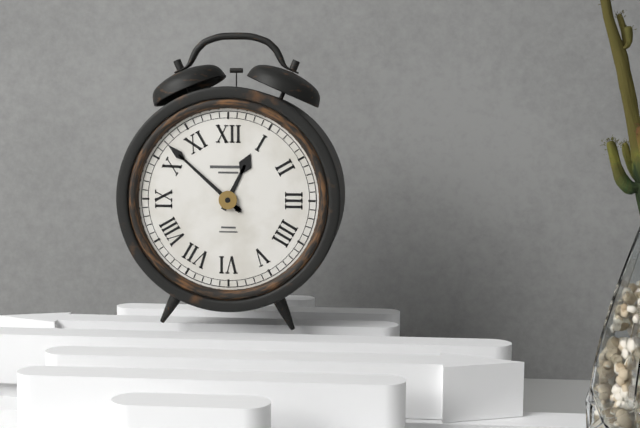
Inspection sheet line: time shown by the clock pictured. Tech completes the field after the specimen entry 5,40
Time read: 12,52
